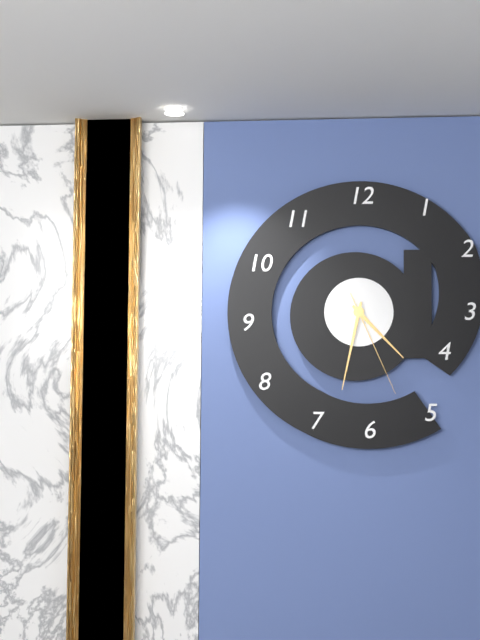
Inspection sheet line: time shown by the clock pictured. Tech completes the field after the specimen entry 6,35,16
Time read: 4,32,26
